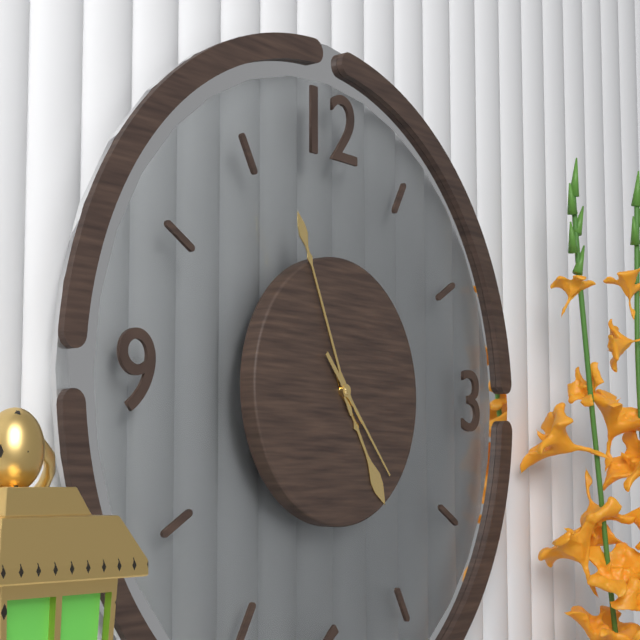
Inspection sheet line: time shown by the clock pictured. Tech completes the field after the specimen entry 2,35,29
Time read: 4,56,23
